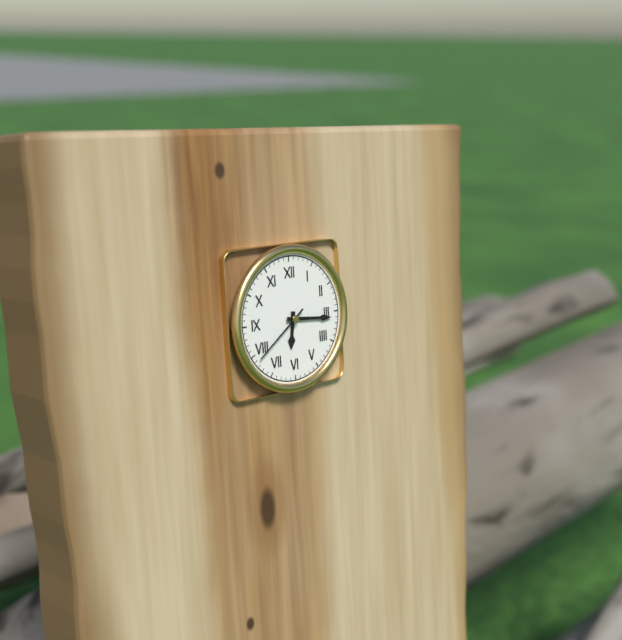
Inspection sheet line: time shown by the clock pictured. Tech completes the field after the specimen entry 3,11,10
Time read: 6,16,39
